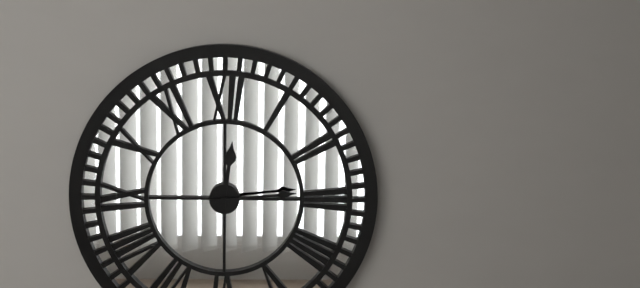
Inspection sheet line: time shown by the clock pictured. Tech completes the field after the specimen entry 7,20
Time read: 12,14
